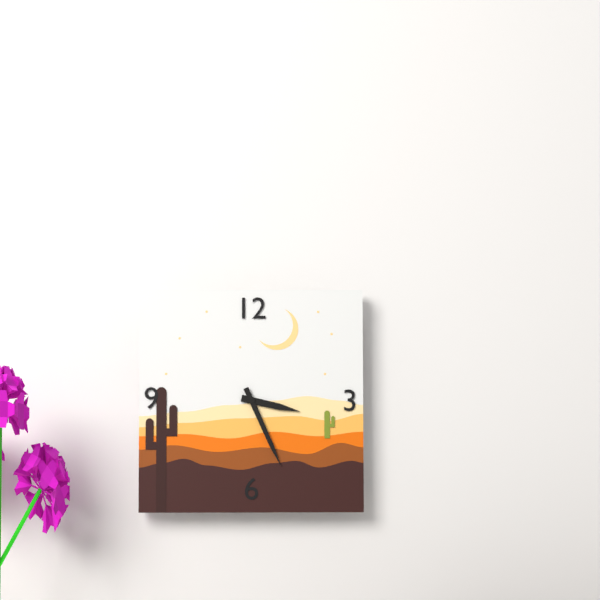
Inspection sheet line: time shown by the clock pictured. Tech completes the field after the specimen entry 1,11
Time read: 3,26
